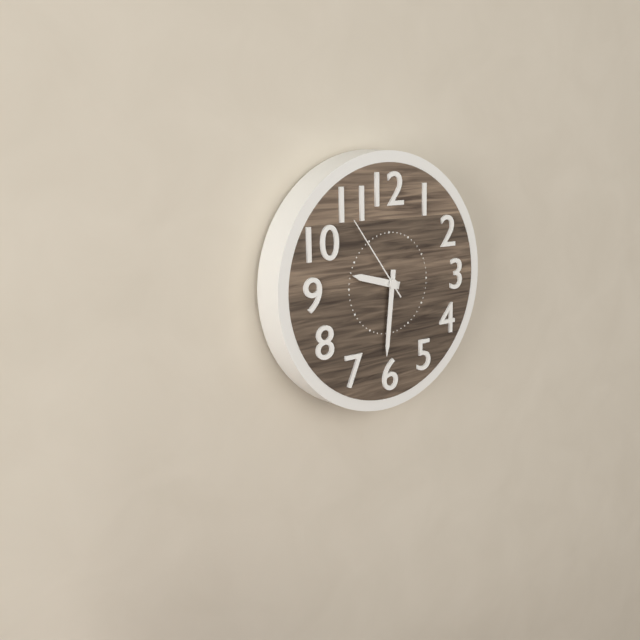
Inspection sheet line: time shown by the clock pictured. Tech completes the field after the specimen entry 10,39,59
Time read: 9,31,54
